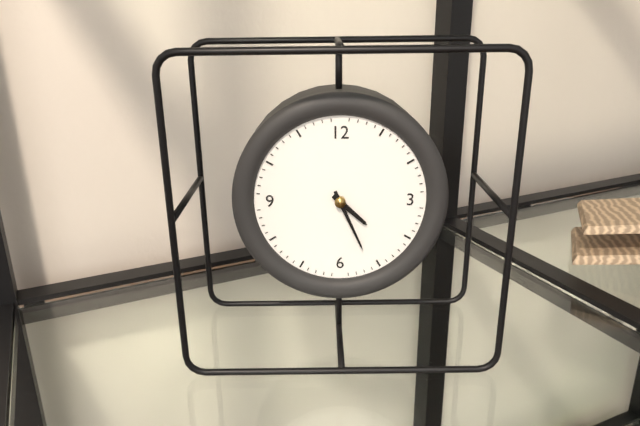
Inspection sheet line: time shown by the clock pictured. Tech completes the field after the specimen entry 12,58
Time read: 4,26
